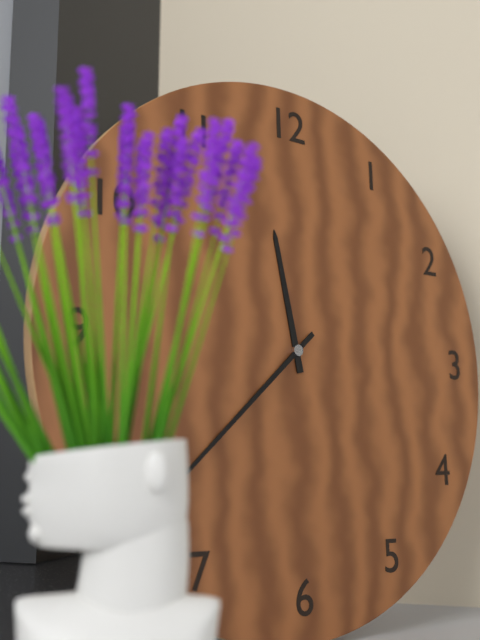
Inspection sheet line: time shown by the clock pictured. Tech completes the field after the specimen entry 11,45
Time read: 11,38
